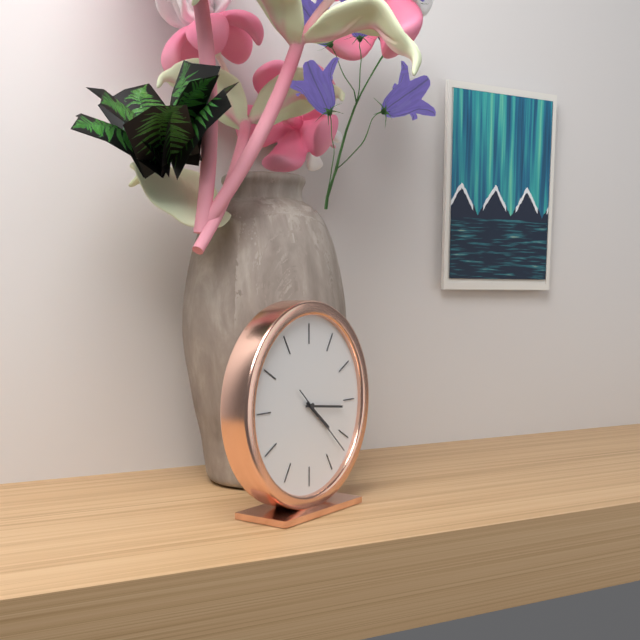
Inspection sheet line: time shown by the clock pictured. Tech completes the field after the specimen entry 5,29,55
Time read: 4,16,22
